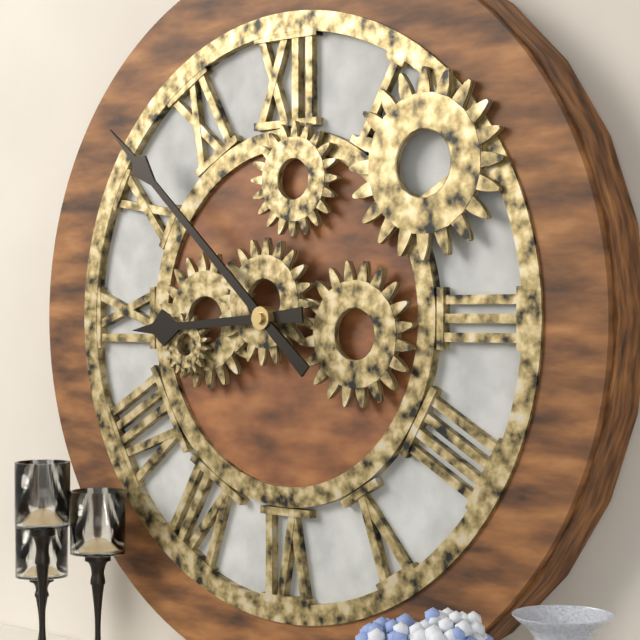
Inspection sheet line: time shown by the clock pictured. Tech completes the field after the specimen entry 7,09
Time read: 8,52
